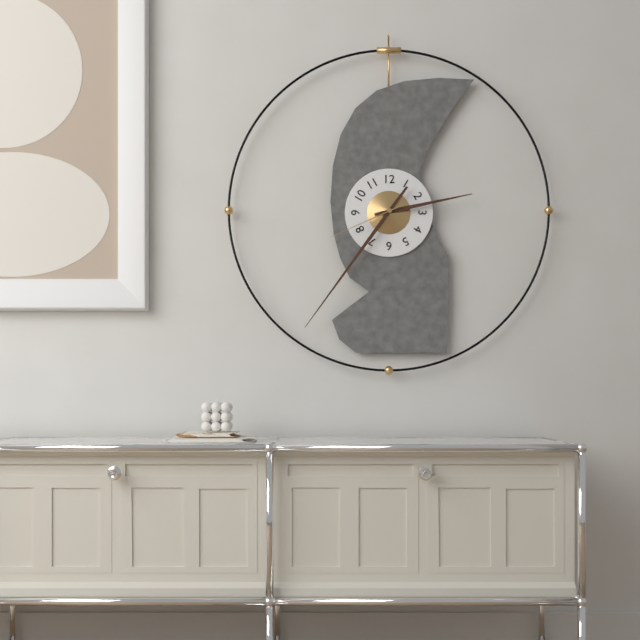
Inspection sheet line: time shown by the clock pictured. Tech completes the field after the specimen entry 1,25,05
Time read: 2,36,41
